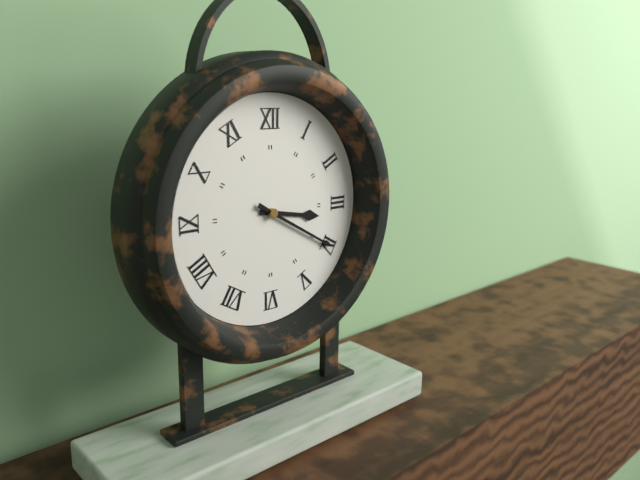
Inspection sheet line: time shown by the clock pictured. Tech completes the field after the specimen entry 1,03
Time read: 3,20
